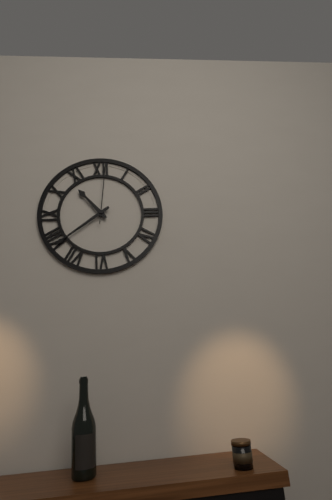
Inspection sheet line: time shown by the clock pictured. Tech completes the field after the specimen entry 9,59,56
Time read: 10,39,01
